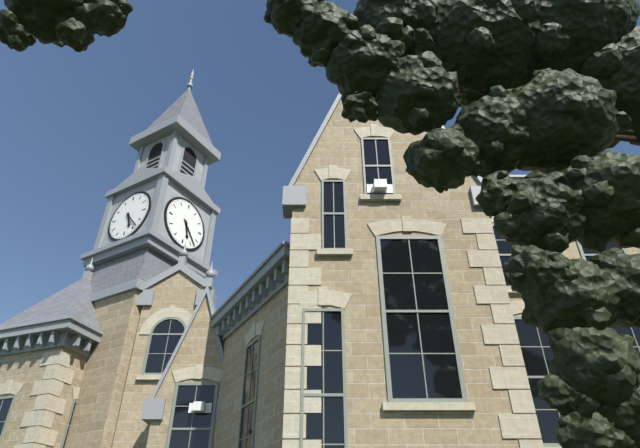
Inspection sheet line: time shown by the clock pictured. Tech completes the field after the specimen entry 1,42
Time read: 5,23
